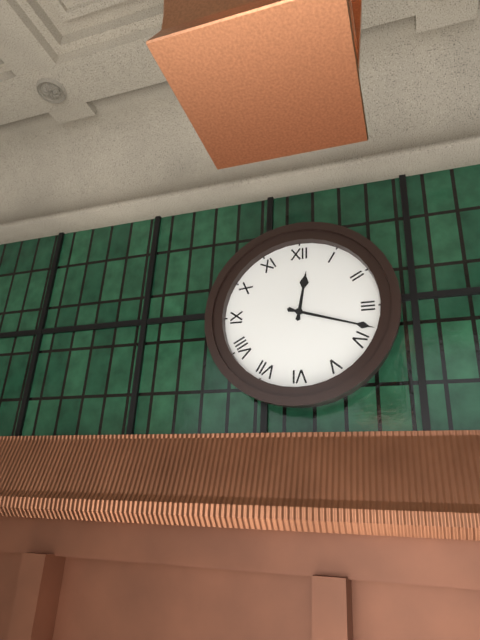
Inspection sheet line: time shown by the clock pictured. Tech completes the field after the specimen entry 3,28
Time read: 12,18
